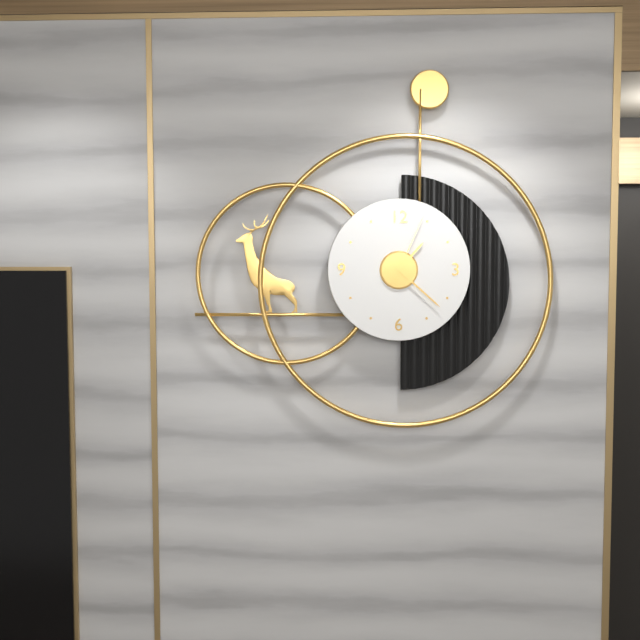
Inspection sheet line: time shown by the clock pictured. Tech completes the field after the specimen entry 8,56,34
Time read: 1,22,04
